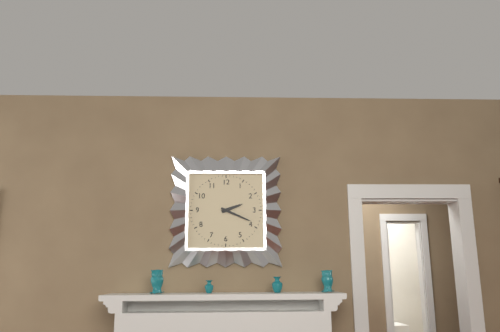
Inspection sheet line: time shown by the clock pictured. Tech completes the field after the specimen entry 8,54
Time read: 2,19
